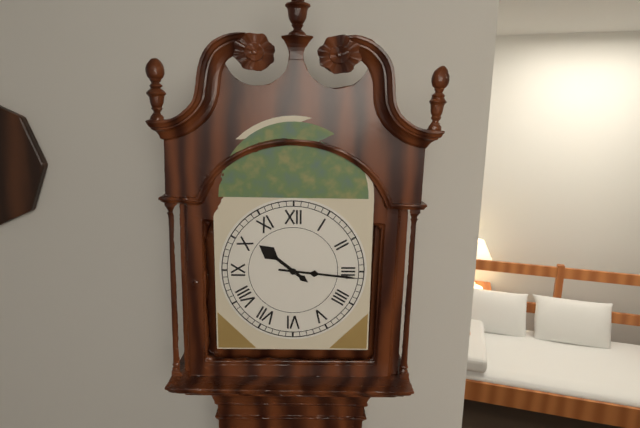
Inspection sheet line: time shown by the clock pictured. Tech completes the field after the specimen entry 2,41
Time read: 10,16
